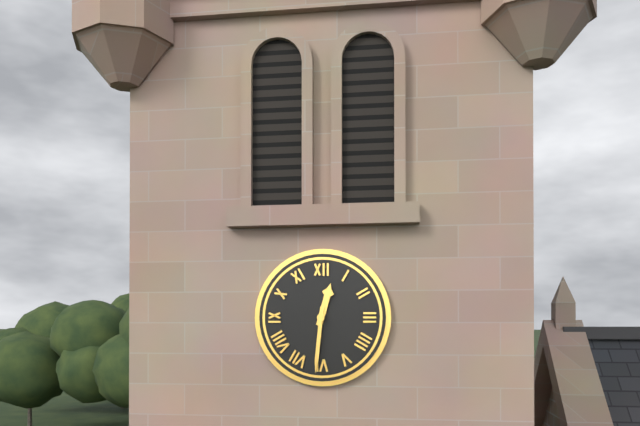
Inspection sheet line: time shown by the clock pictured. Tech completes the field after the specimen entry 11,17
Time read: 12,31
